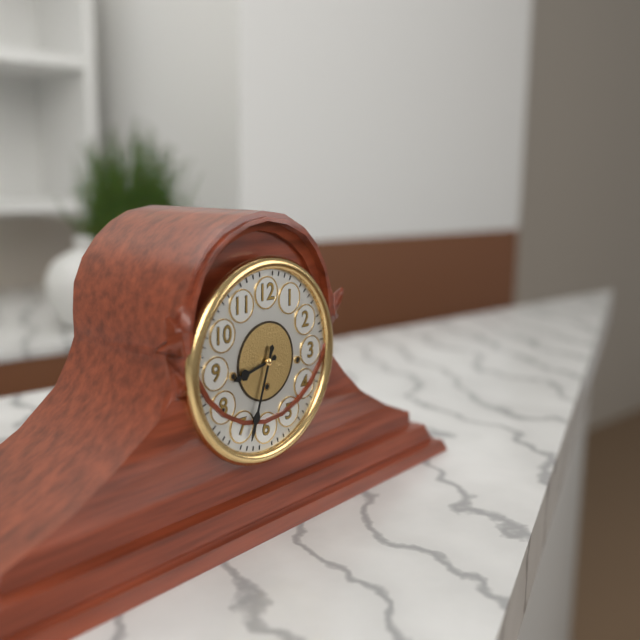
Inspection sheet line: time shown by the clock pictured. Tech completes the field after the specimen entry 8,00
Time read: 8,33
